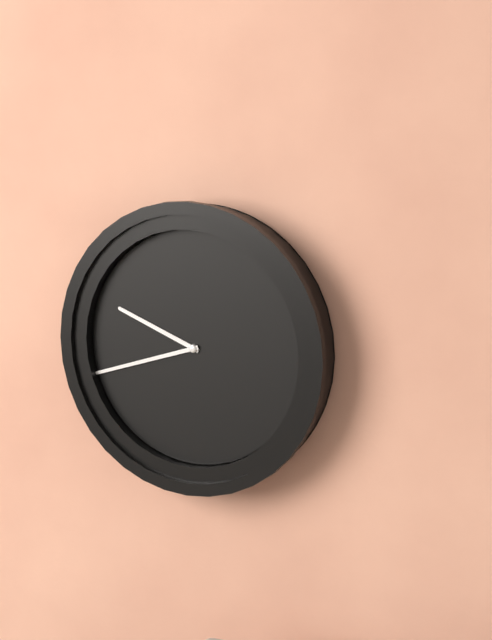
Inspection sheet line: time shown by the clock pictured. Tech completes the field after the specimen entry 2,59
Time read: 9,42
